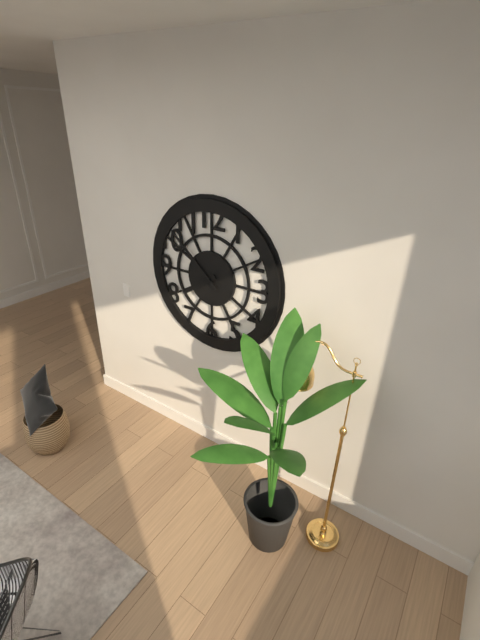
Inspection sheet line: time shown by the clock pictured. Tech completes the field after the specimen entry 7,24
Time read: 7,52
